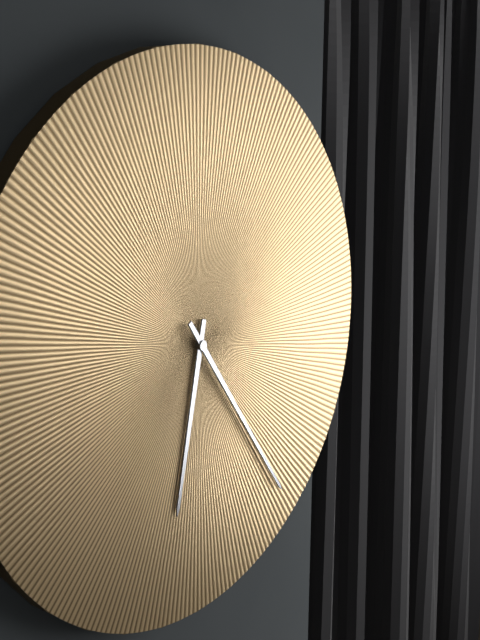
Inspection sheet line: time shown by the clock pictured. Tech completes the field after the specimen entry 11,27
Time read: 6,24
